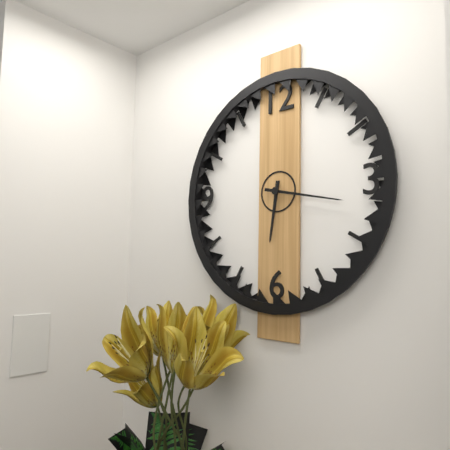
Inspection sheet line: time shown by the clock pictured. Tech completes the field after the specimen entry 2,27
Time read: 6,17
